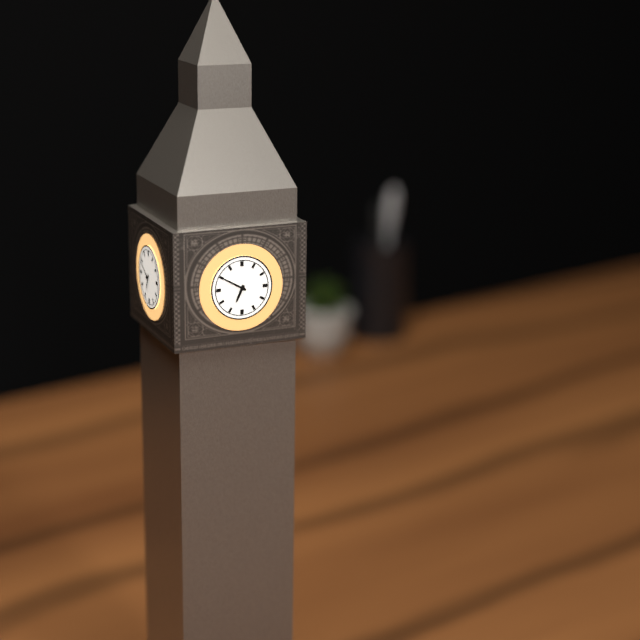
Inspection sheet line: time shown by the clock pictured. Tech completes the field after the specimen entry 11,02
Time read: 6,50
